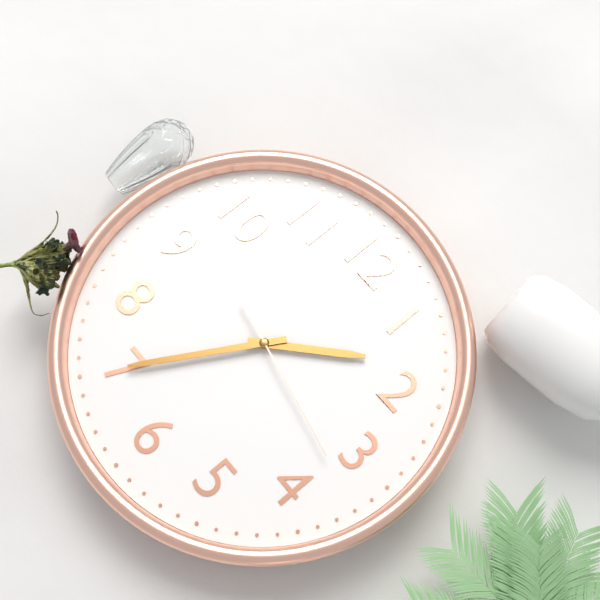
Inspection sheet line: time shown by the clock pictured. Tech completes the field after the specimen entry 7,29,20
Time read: 1,35,17
